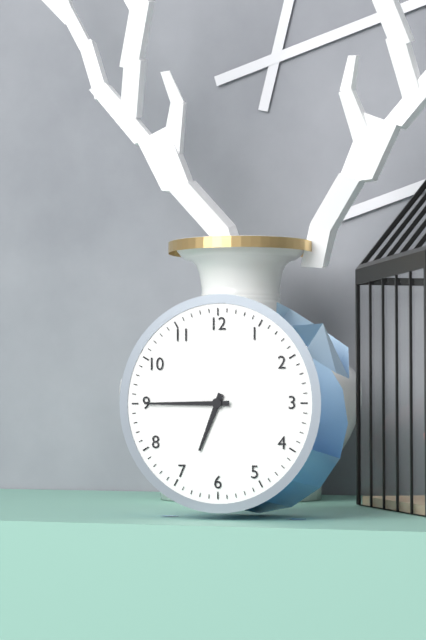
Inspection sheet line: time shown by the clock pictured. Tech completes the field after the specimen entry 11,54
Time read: 6,45
